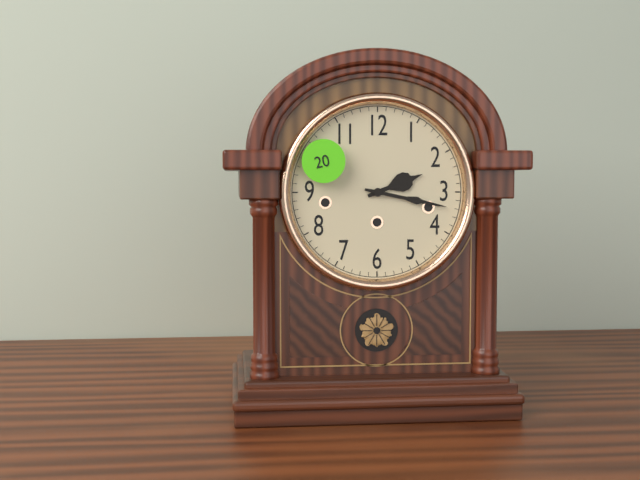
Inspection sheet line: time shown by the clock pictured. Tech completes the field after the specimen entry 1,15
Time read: 2,17
